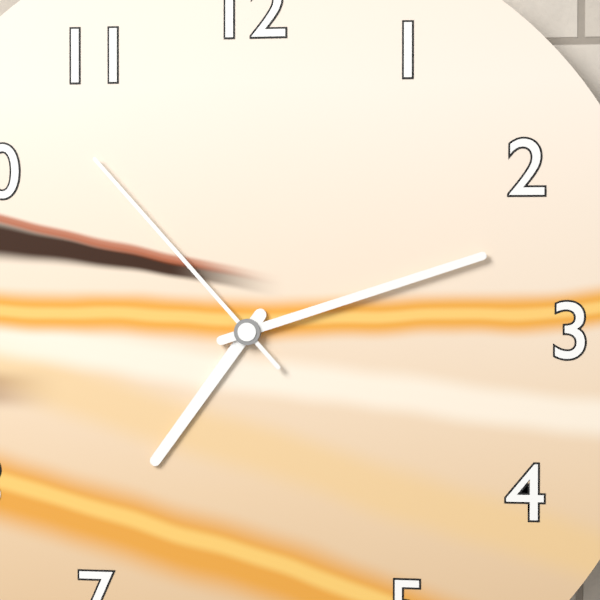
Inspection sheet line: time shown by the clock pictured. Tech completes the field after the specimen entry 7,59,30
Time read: 7,12,53
